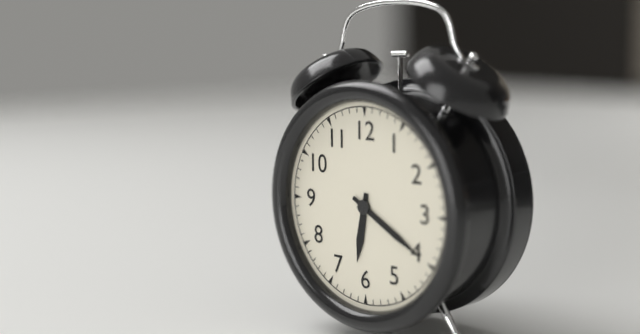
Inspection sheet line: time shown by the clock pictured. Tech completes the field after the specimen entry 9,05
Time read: 6,20
